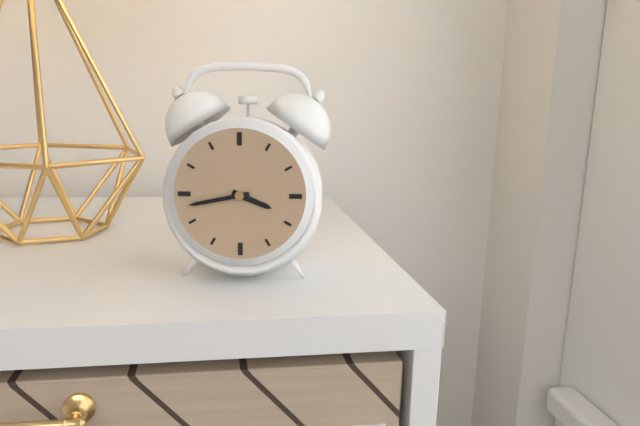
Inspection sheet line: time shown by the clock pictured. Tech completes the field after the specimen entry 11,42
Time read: 3,43
